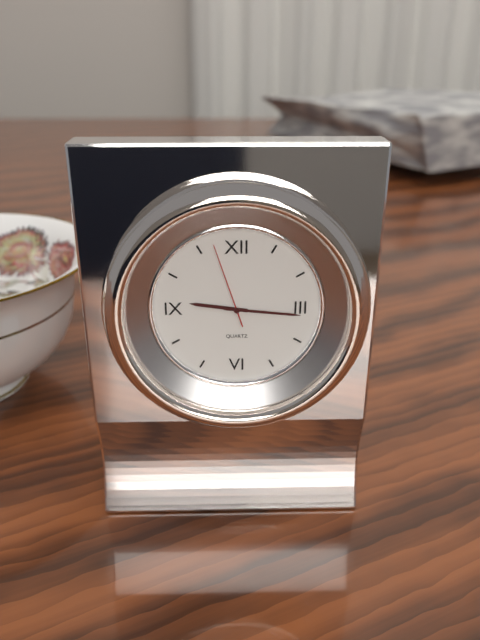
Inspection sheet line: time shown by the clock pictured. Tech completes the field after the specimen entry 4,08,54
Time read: 9,16,57
